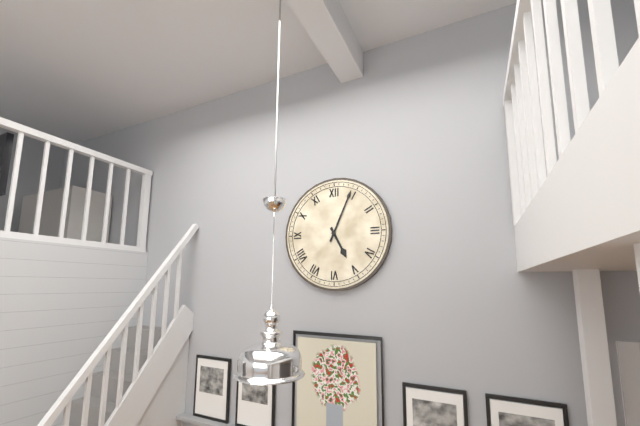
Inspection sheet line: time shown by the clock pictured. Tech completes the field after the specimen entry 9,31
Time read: 5,04
